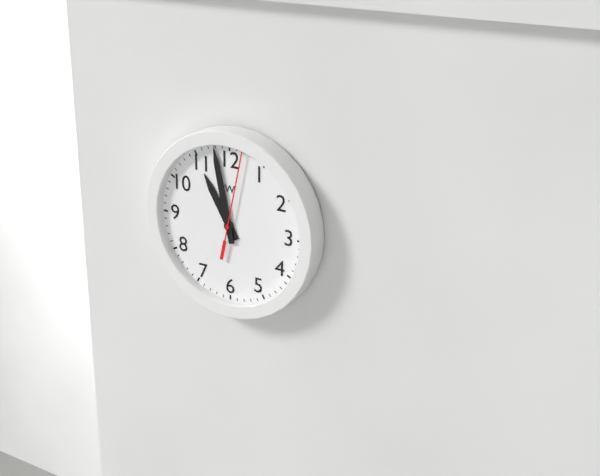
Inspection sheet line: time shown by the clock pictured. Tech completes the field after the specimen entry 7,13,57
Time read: 10,58,02
